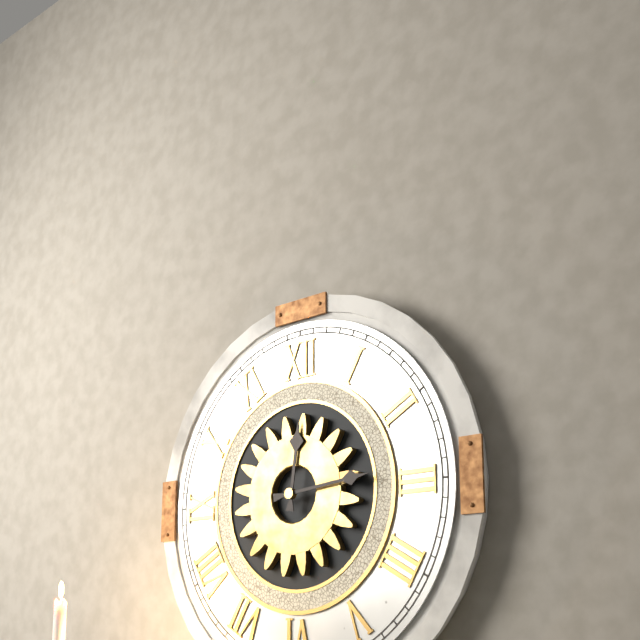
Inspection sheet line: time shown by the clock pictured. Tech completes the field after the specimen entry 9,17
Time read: 12,14
